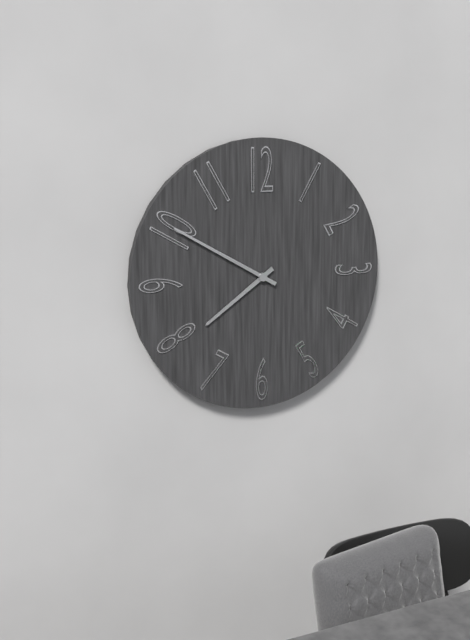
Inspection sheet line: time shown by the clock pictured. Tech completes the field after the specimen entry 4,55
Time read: 7,50
